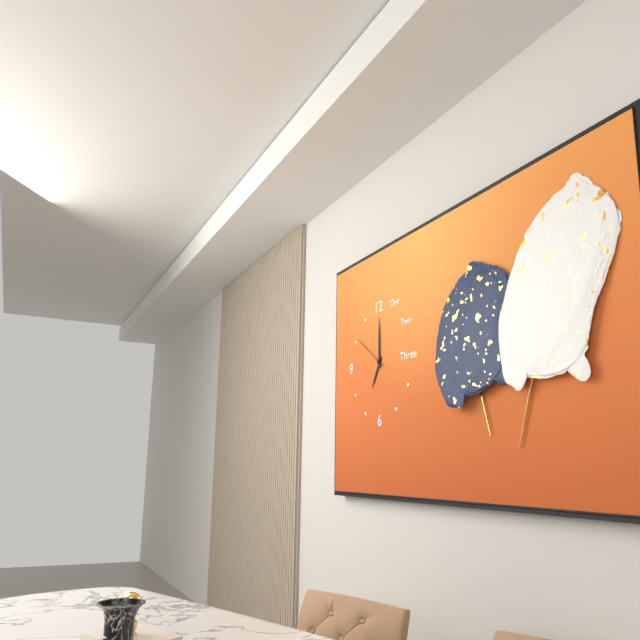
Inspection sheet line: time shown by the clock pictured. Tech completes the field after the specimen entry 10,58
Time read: 7,00
